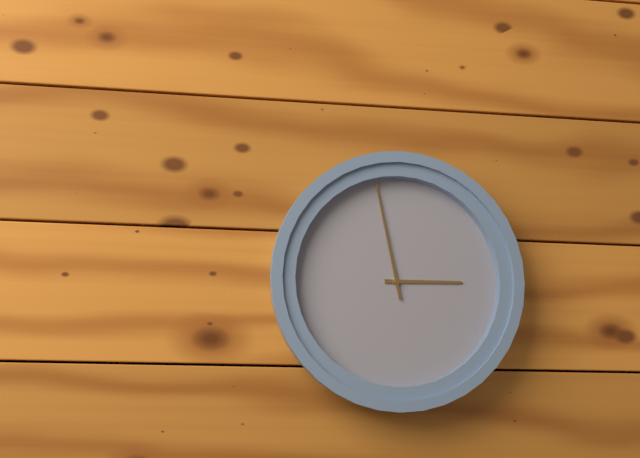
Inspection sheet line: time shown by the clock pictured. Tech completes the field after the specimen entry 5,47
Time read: 2,58
